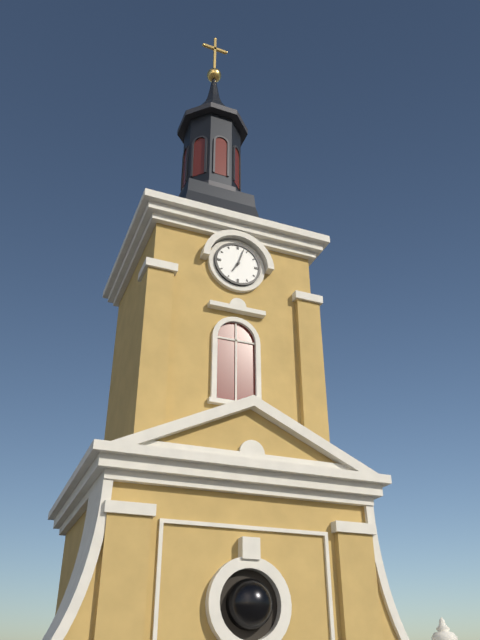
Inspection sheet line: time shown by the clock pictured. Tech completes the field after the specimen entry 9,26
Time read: 7,03
